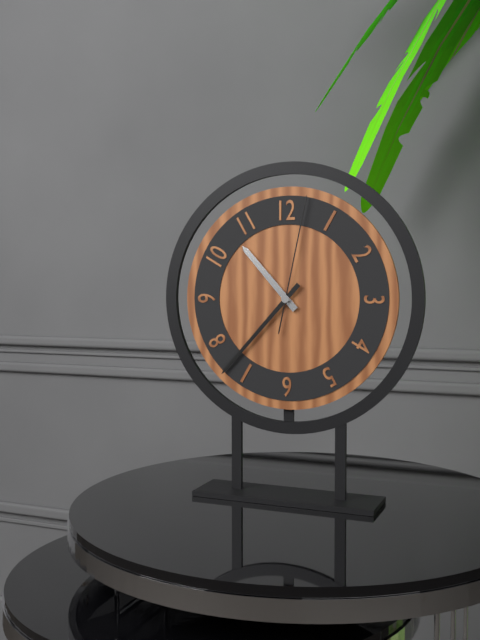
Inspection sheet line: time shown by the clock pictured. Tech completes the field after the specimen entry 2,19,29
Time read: 10,37,02
